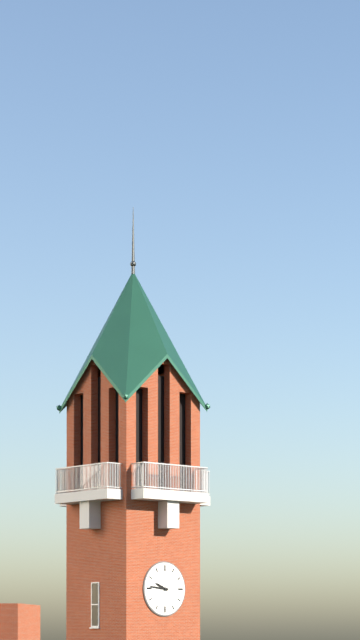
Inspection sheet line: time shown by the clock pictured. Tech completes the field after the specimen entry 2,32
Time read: 9,46
